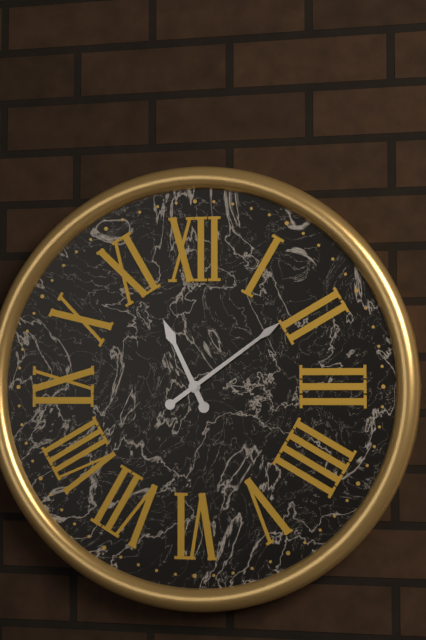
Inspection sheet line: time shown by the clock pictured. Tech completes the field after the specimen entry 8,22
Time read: 11,09
